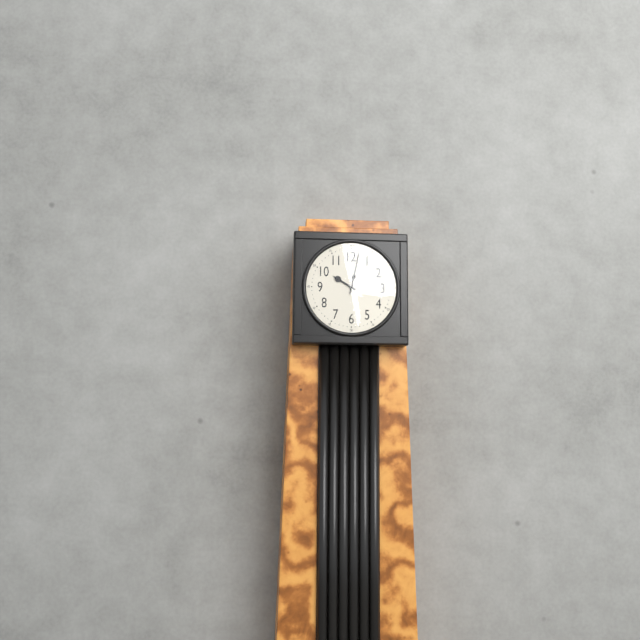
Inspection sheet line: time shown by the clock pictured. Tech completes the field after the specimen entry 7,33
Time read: 10,02
